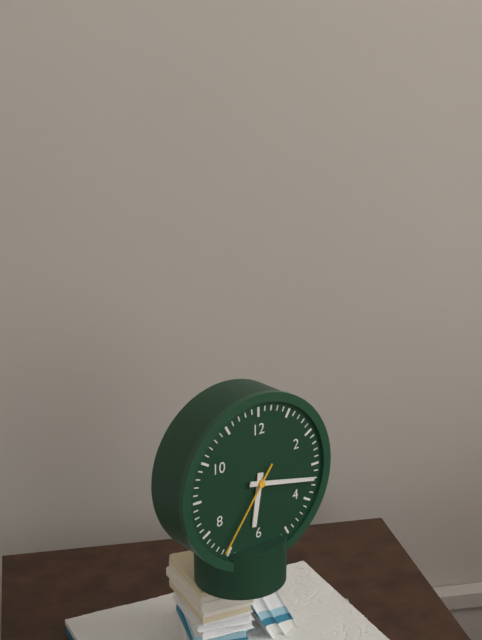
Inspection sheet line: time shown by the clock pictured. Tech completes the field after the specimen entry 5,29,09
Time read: 6,17,36
